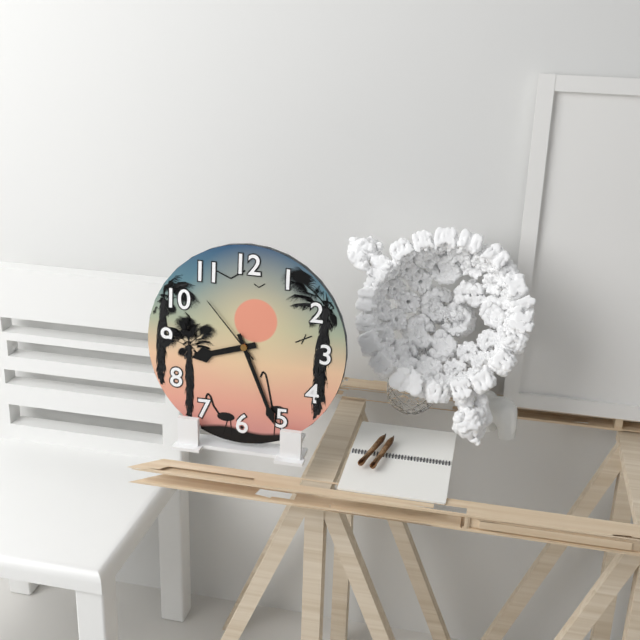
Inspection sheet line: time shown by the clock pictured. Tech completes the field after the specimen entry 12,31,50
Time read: 8,26,53
